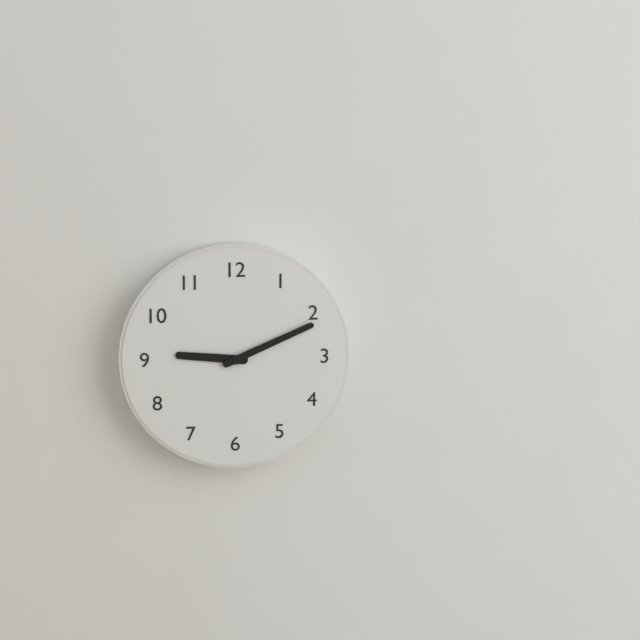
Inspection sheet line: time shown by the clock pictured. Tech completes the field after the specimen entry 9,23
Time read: 9,11
